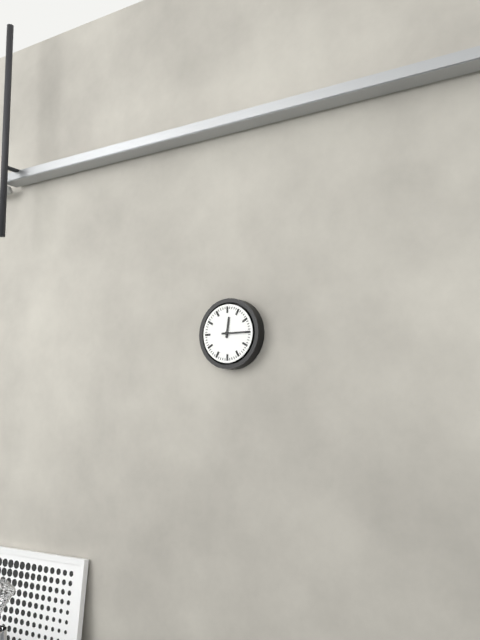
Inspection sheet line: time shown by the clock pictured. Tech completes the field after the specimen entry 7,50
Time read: 12,15
